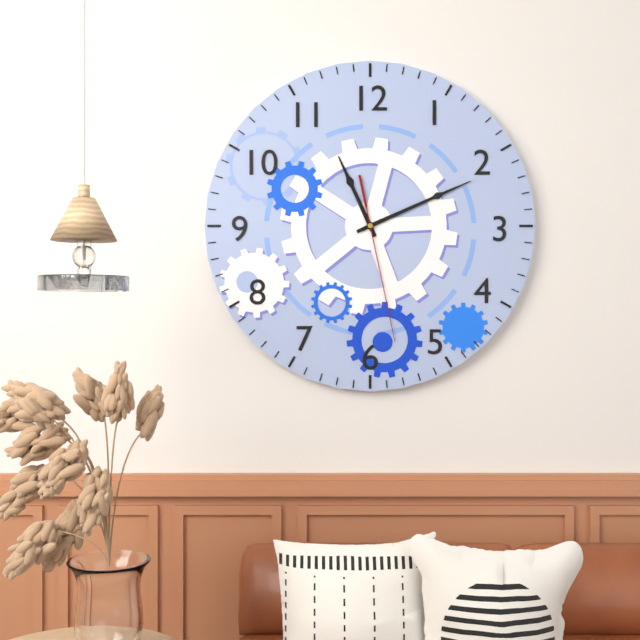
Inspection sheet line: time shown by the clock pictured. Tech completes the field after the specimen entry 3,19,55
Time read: 11,11,28
